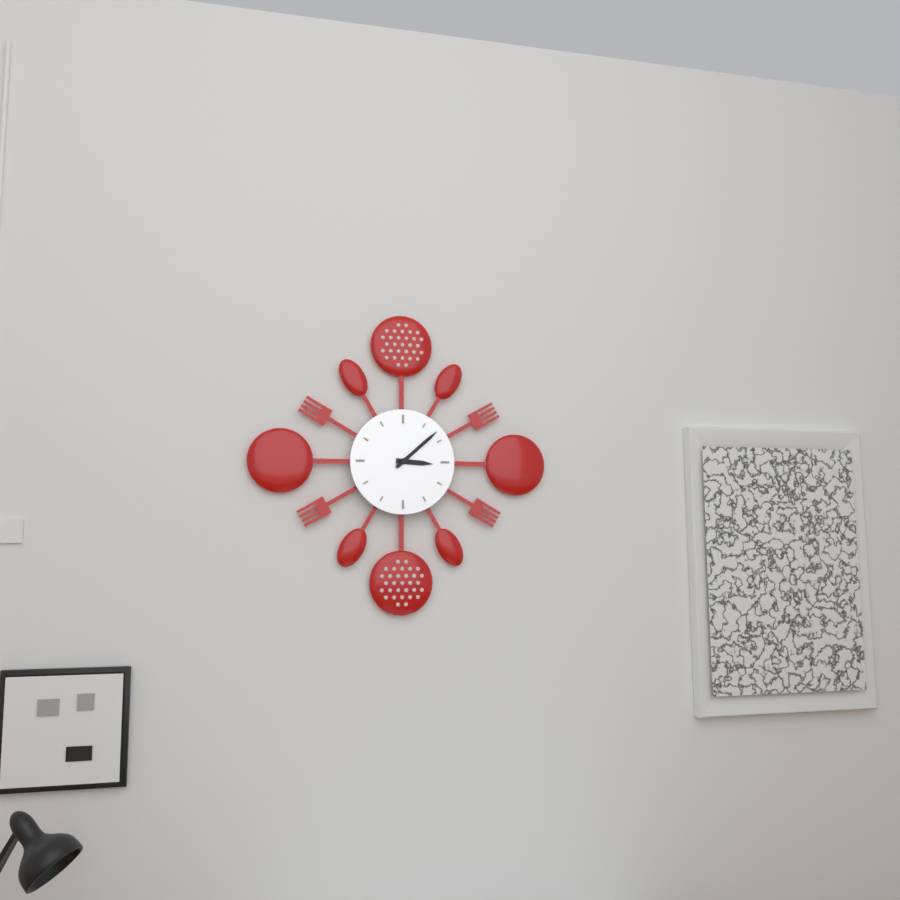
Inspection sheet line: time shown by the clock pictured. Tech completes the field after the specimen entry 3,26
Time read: 3,08
